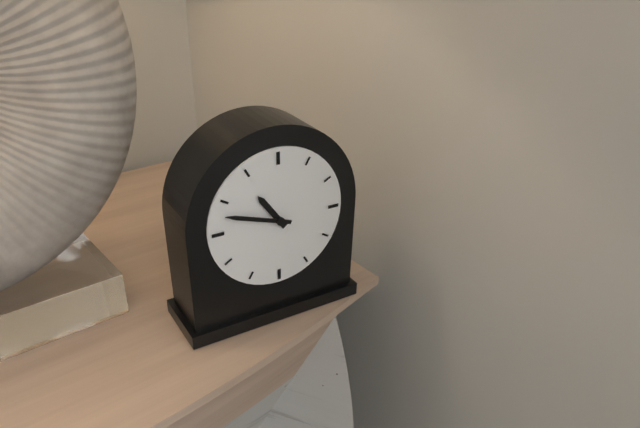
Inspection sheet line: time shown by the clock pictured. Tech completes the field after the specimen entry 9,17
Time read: 10,48
